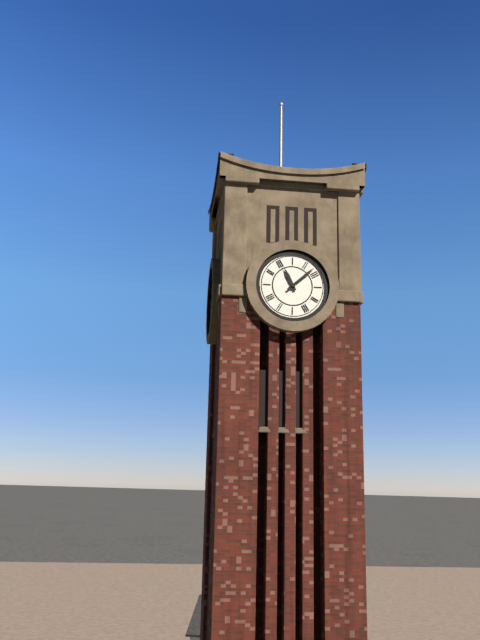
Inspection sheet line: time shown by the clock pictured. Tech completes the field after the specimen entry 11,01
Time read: 11,08
